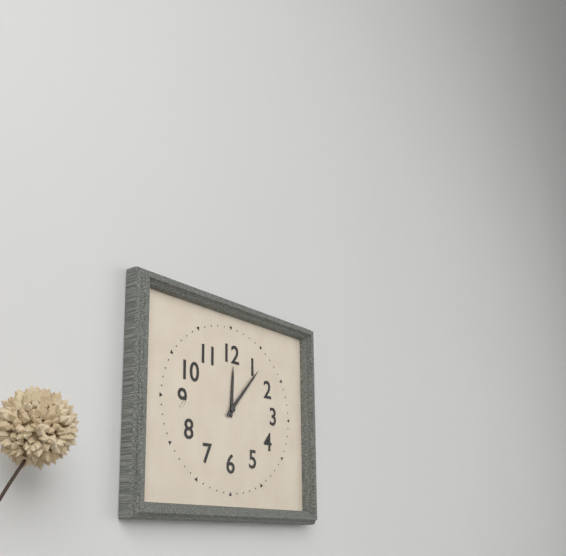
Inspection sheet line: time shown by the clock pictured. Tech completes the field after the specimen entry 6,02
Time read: 12,07
